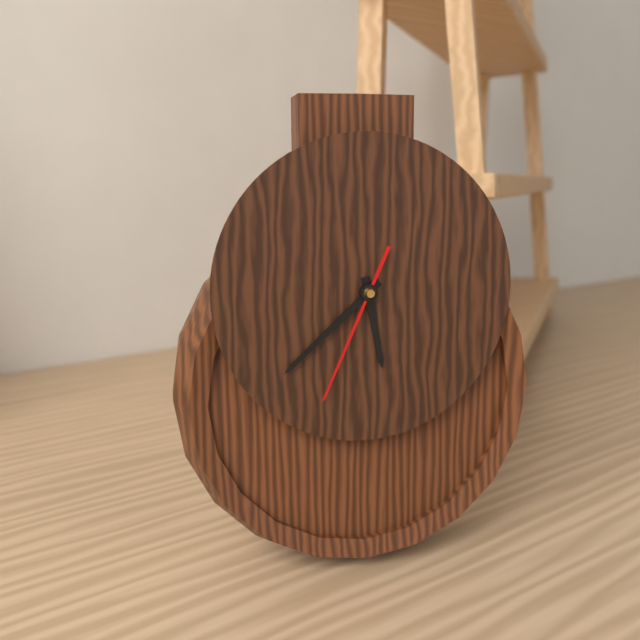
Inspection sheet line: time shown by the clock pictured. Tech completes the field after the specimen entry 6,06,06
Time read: 5,38,34
